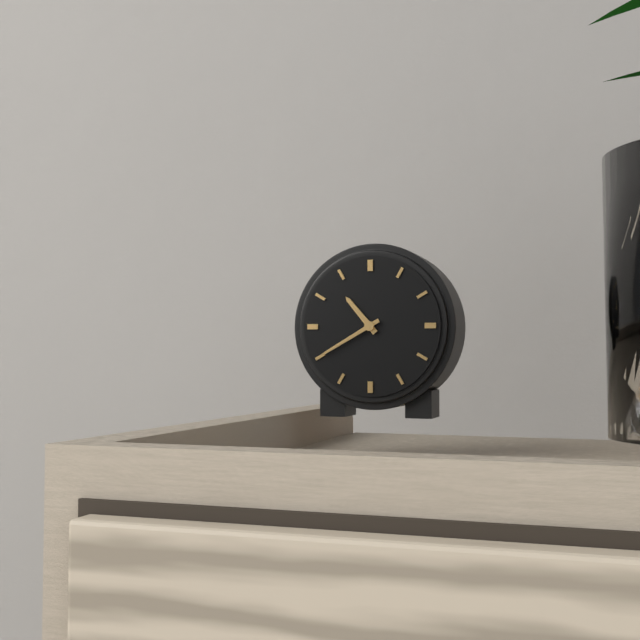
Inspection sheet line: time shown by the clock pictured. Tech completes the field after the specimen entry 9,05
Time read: 10,40
